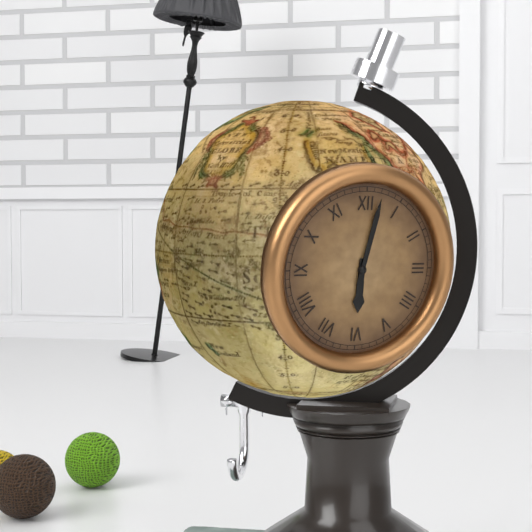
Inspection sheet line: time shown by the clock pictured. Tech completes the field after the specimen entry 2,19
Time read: 6,02
